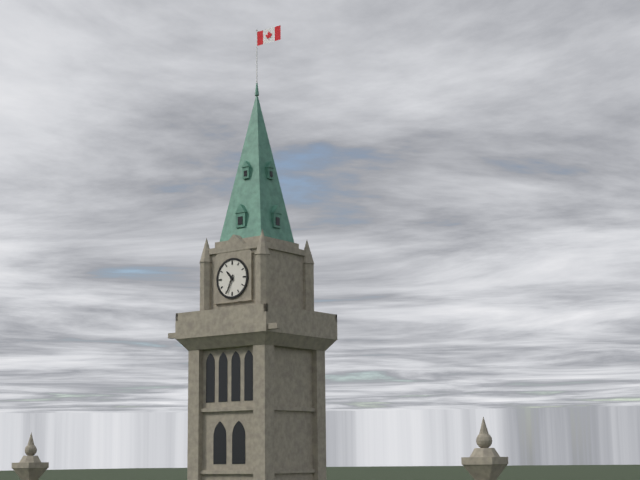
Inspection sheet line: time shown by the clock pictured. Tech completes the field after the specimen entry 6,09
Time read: 10,34
